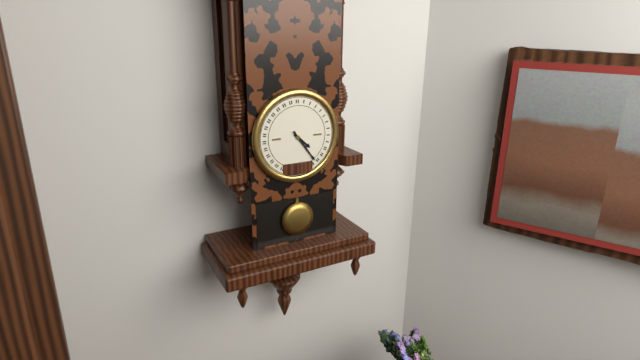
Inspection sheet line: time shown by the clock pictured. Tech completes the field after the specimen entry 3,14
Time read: 4,24
